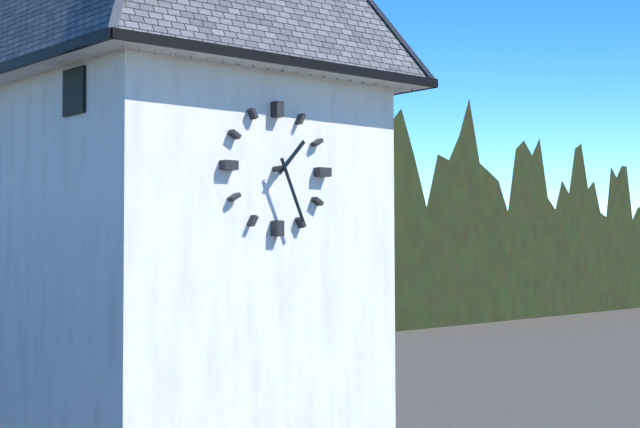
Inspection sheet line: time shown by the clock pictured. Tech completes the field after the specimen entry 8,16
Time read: 1,26
